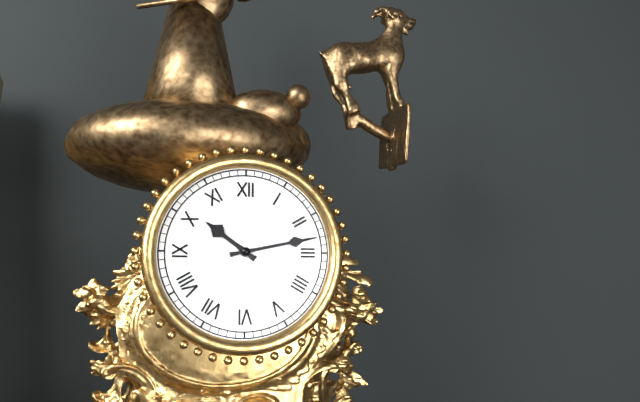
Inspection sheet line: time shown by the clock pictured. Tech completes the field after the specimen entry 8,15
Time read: 10,13
